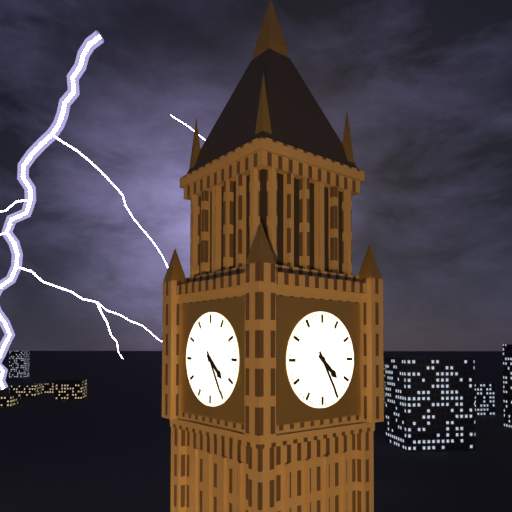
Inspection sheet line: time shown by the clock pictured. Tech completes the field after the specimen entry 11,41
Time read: 4,25
